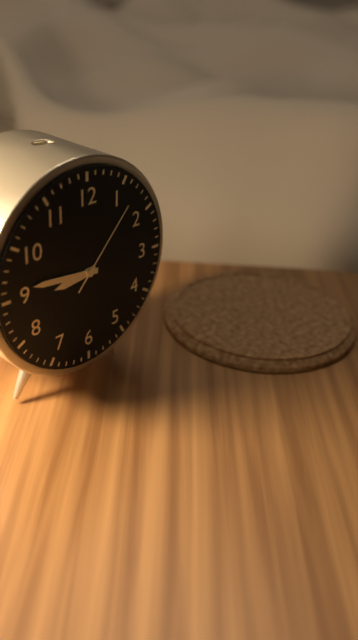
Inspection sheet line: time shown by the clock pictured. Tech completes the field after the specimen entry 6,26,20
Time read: 8,46,07
